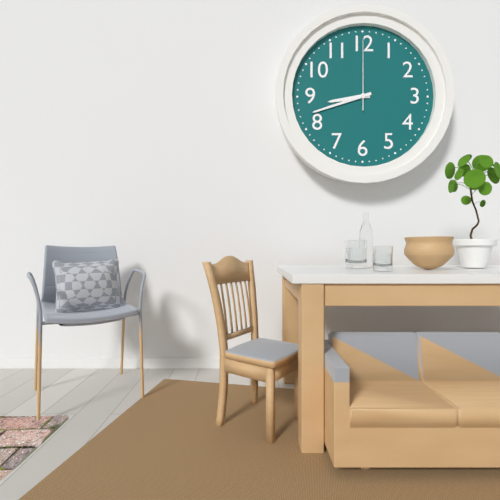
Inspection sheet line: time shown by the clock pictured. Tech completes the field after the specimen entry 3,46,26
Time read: 8,42,00
